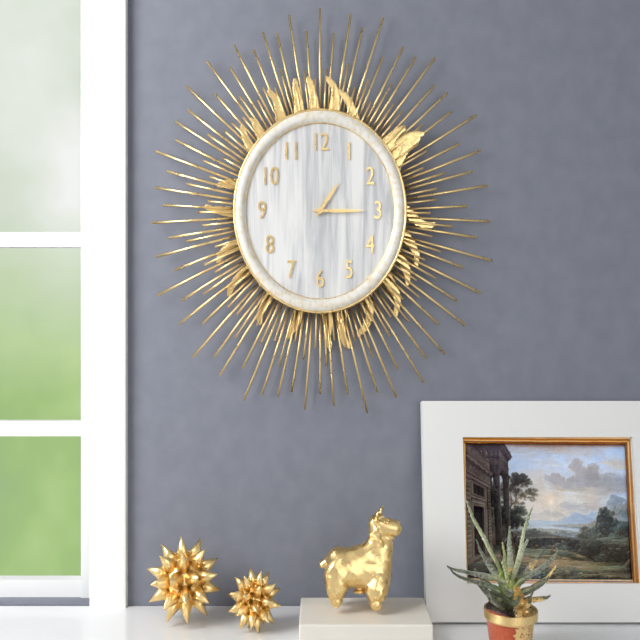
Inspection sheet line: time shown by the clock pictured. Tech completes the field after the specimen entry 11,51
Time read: 1,15
